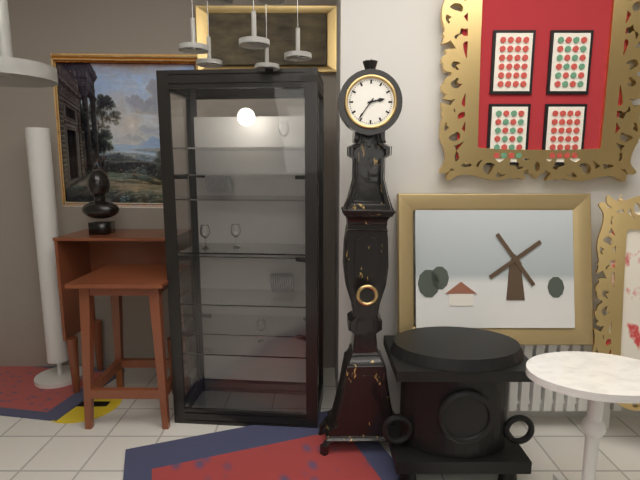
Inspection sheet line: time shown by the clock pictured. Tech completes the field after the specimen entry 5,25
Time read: 2,36
